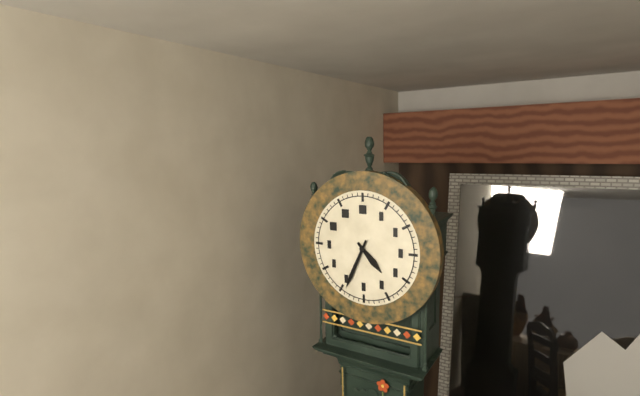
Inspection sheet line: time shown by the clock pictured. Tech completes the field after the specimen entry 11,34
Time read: 4,34
